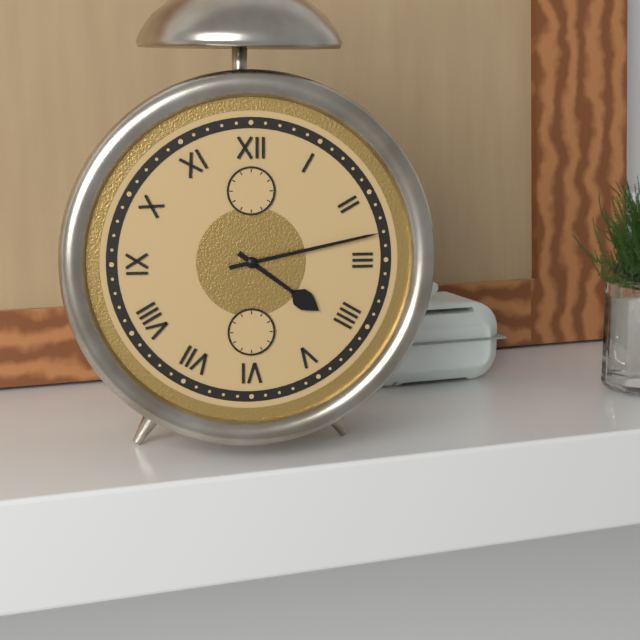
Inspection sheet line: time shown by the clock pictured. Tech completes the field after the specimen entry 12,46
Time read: 4,13
